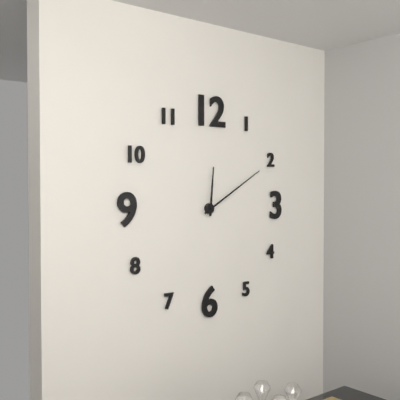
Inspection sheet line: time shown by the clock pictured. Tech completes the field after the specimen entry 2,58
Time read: 12,10
